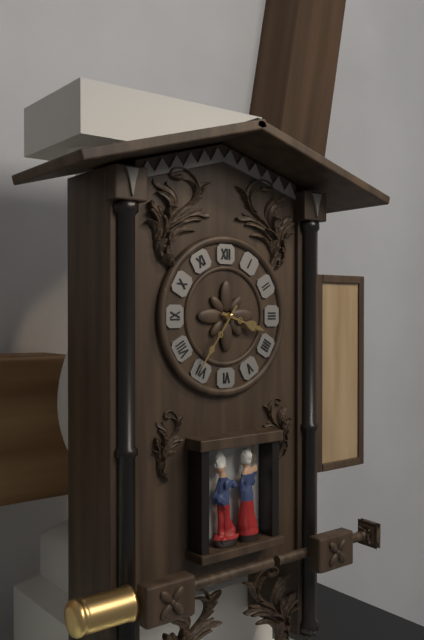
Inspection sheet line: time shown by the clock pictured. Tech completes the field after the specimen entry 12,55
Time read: 3,36
